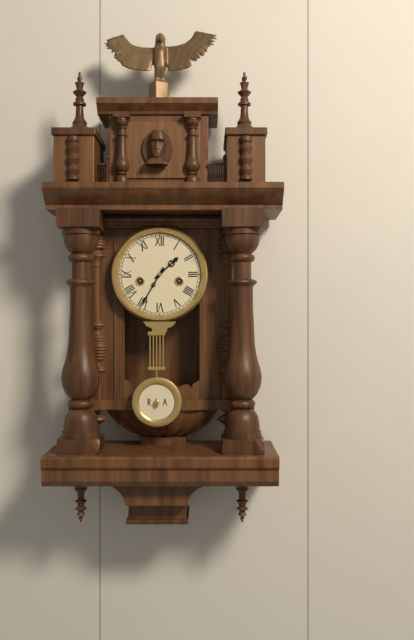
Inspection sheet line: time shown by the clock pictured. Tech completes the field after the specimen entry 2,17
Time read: 1,35
